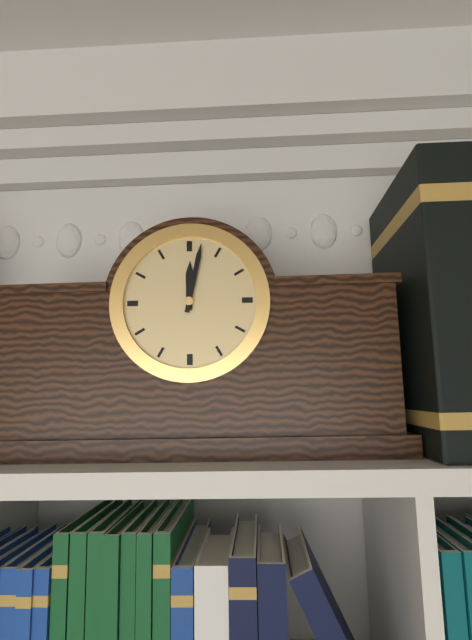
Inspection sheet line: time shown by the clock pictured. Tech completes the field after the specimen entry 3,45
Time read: 12,02
